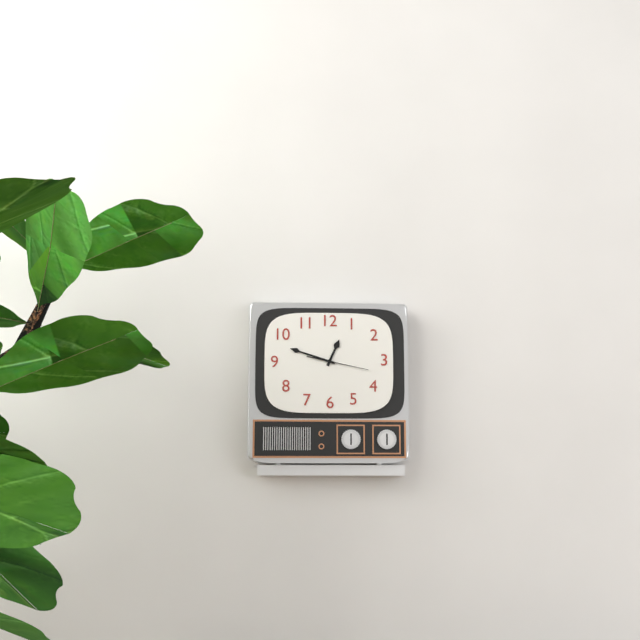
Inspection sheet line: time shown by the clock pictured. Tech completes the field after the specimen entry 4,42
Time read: 12,48
